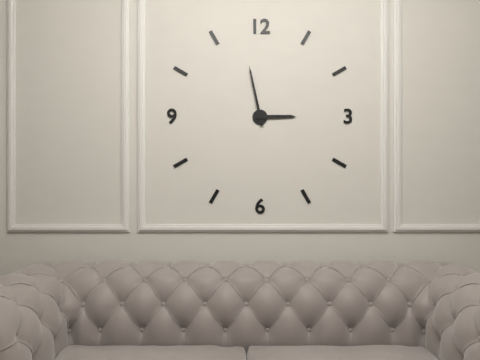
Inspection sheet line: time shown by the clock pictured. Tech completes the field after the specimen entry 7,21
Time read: 2,58
